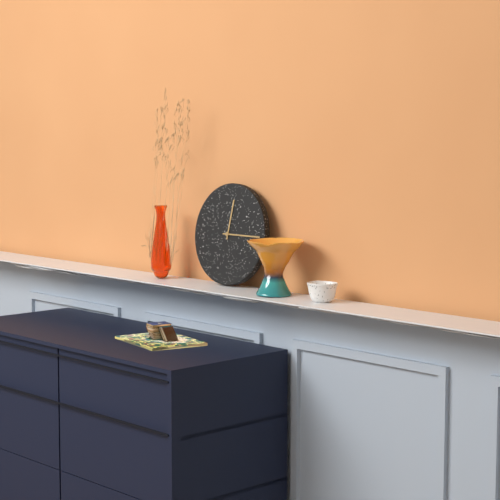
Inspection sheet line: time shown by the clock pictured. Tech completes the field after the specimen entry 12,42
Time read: 12,15
